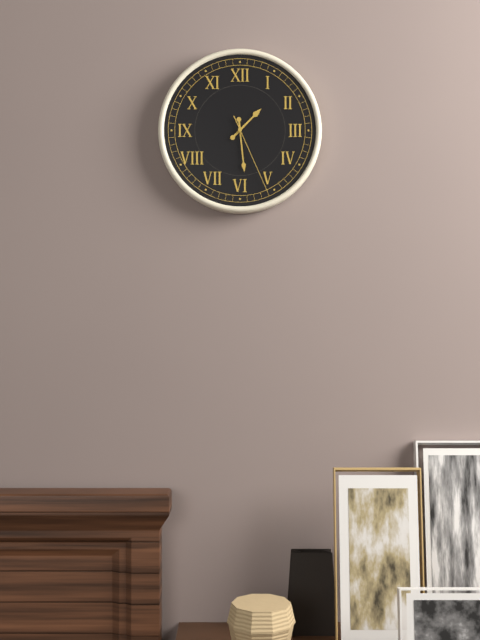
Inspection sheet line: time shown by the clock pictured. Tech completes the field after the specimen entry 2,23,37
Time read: 1,29,26
